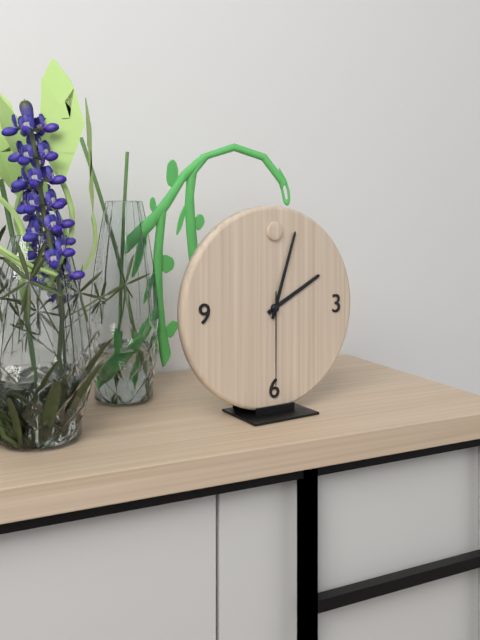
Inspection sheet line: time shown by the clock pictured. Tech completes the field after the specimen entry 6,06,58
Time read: 2,03,30
